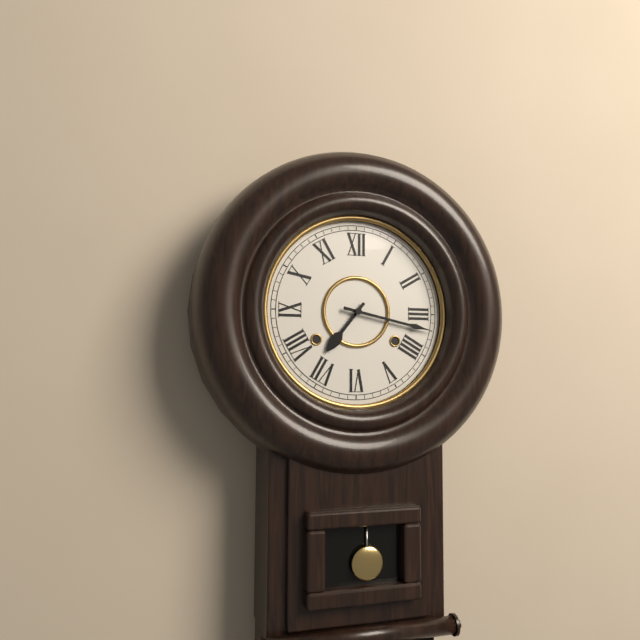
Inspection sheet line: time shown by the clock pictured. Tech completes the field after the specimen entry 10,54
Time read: 7,17
